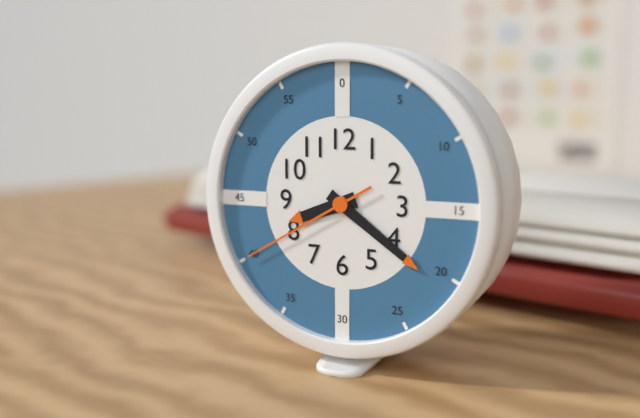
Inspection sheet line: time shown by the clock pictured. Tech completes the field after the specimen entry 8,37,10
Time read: 8,21,40
